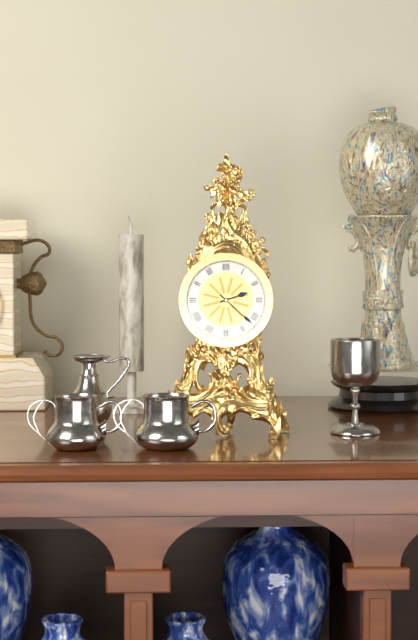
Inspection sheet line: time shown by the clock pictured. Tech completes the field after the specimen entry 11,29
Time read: 2,22
